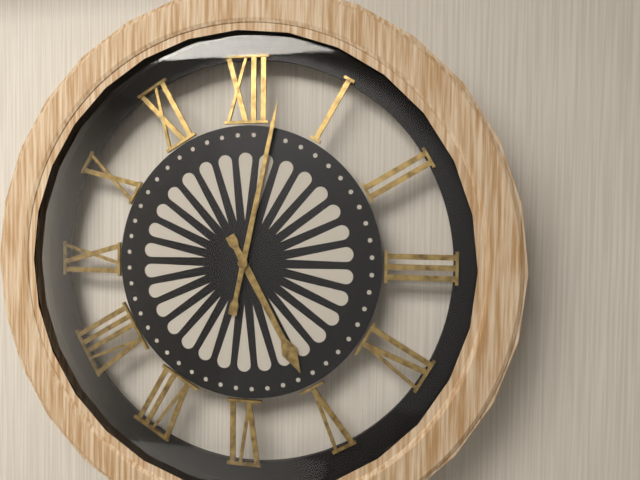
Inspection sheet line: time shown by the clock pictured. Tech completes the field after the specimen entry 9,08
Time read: 5,02
